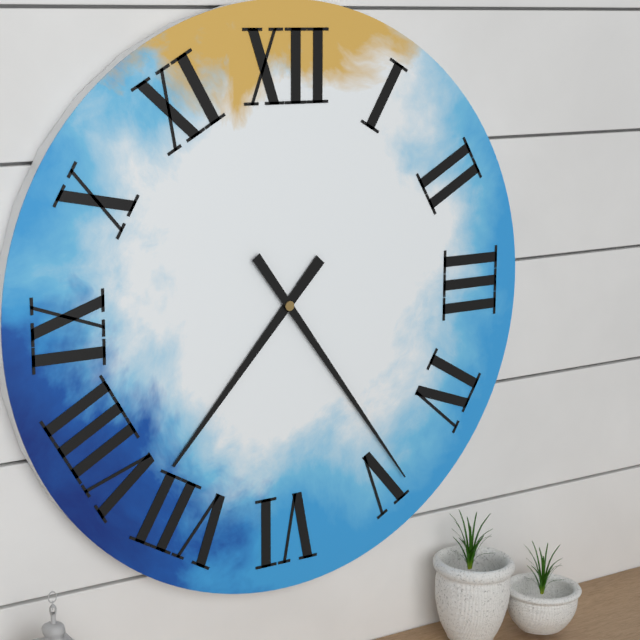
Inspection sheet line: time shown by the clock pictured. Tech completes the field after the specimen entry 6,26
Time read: 7,24
